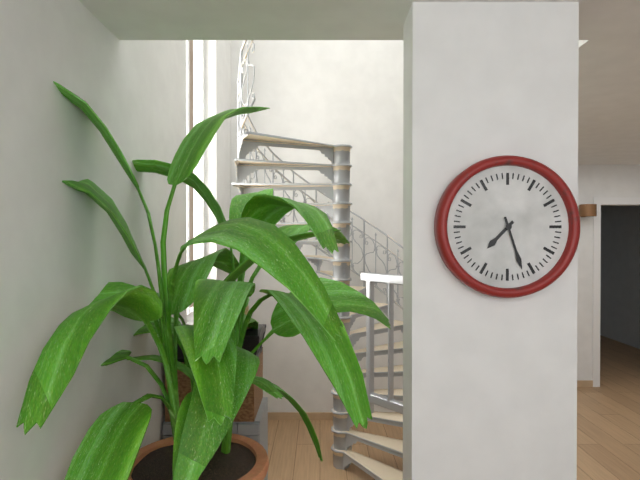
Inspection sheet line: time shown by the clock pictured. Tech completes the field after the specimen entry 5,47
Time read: 7,27
